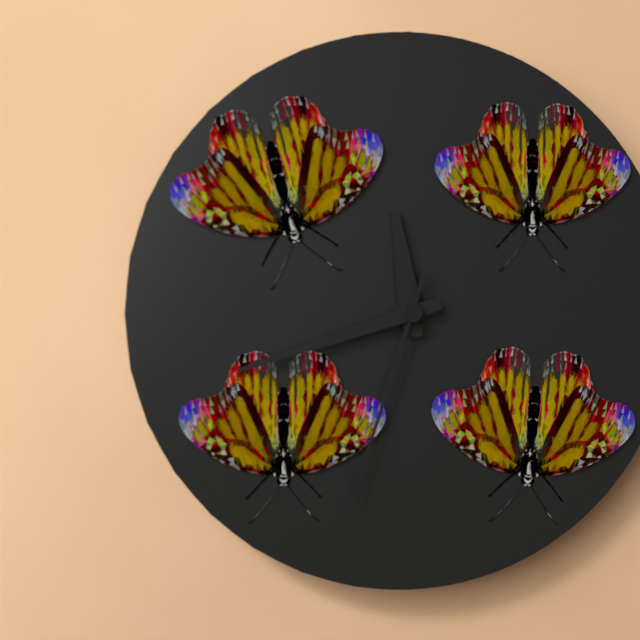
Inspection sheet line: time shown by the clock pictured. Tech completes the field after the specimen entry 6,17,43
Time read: 11,42,33
